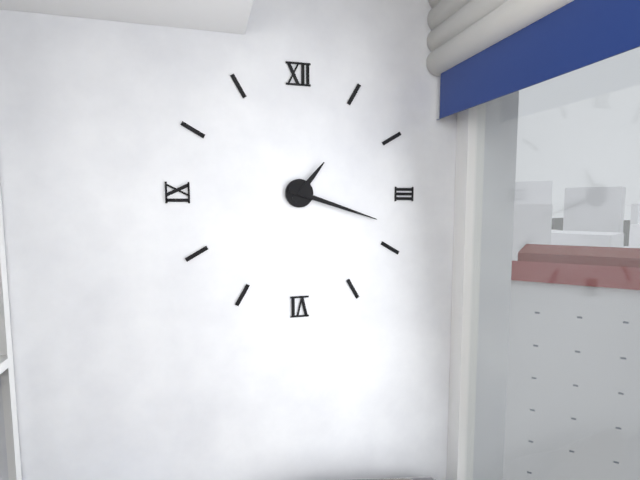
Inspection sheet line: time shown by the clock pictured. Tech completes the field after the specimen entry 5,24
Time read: 1,18
